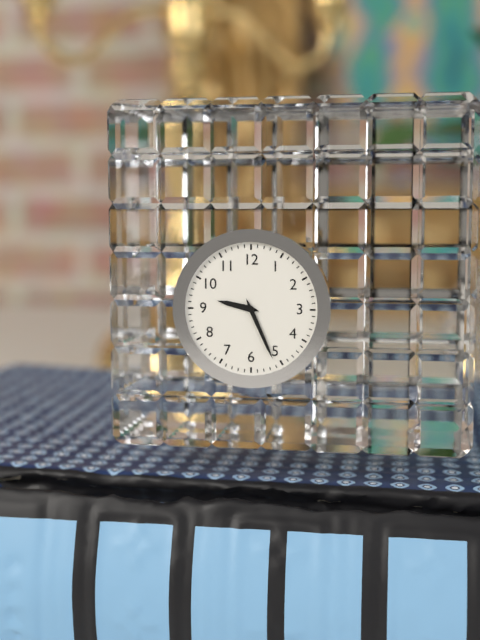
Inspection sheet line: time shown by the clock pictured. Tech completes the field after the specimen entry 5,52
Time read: 9,26
